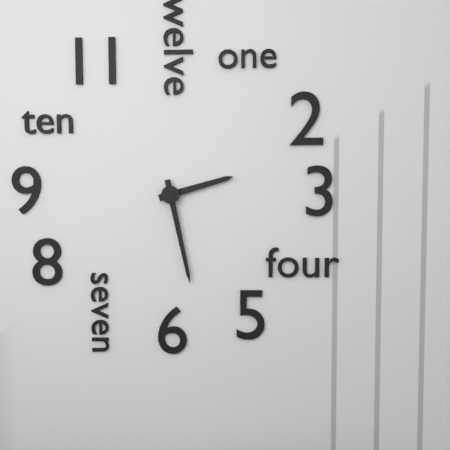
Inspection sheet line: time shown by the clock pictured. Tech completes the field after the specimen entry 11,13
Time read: 2,28
